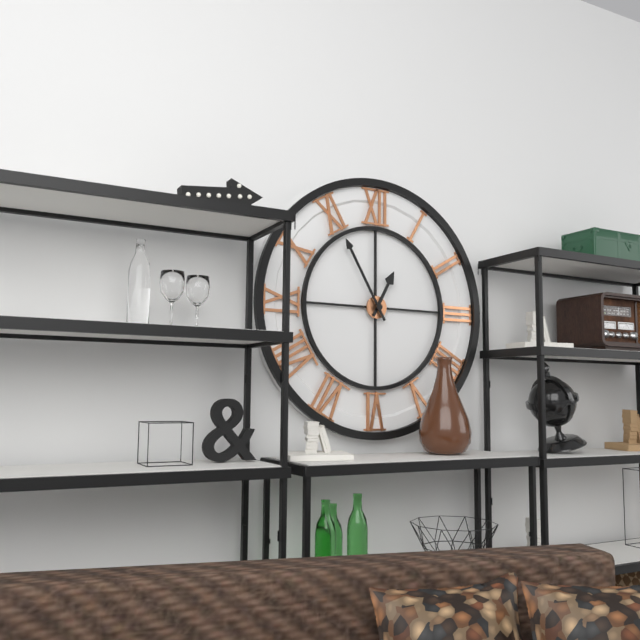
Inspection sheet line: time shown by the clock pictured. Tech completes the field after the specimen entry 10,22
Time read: 12,55
